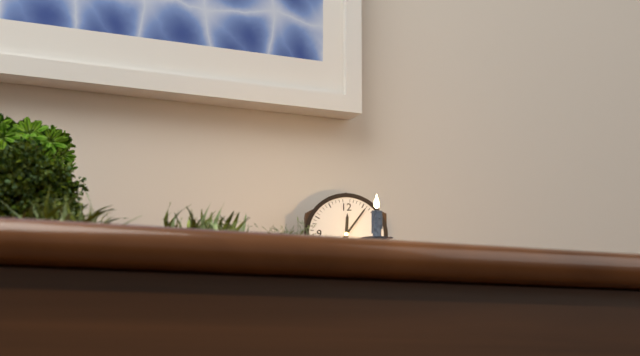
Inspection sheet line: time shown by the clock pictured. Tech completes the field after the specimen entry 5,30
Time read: 12,06
